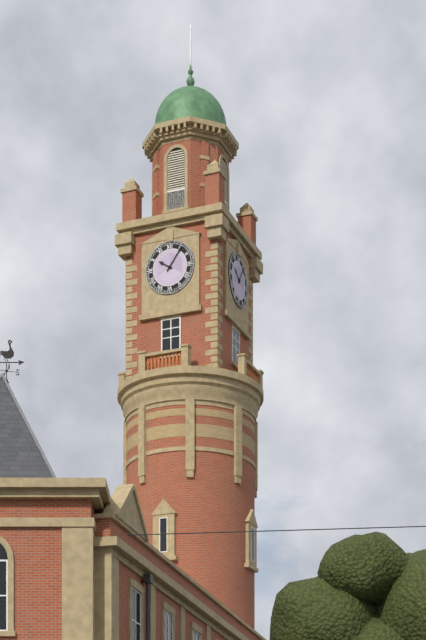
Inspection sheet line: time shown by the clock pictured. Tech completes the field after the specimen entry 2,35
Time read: 10,06
